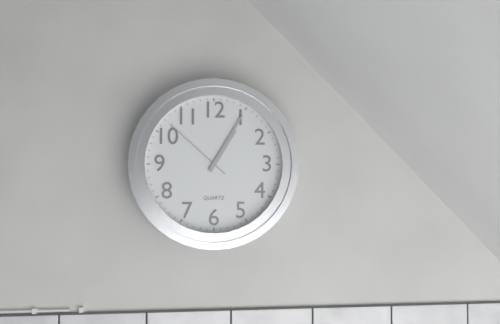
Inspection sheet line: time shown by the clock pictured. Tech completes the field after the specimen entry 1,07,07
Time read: 1,05,52
